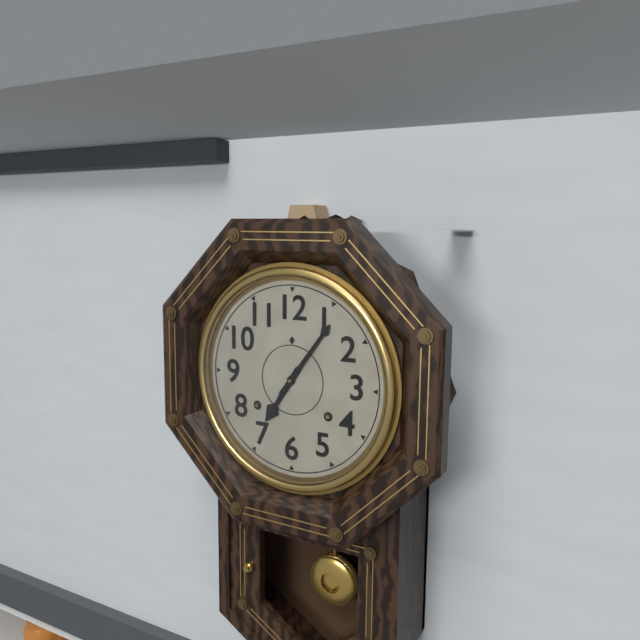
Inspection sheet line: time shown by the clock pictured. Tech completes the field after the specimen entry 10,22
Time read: 7,06
